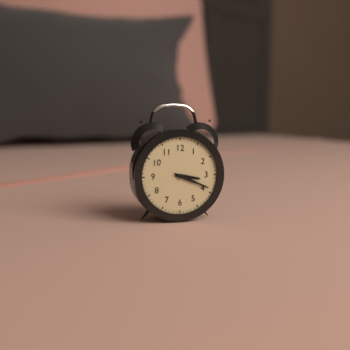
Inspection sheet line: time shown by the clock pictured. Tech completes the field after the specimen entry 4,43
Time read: 3,19
